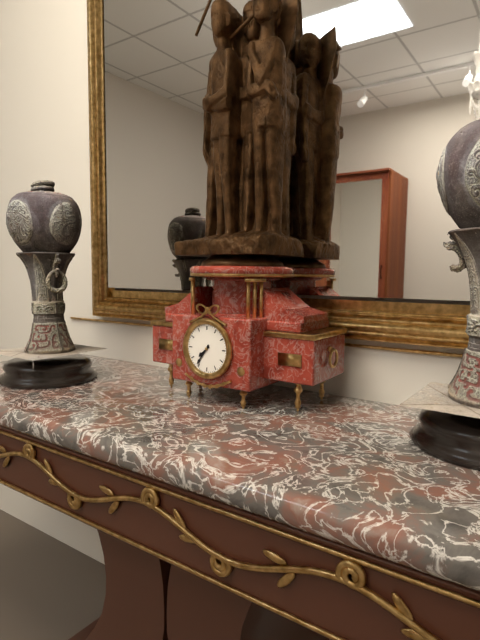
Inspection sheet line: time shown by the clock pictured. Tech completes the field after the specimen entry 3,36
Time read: 7,36
